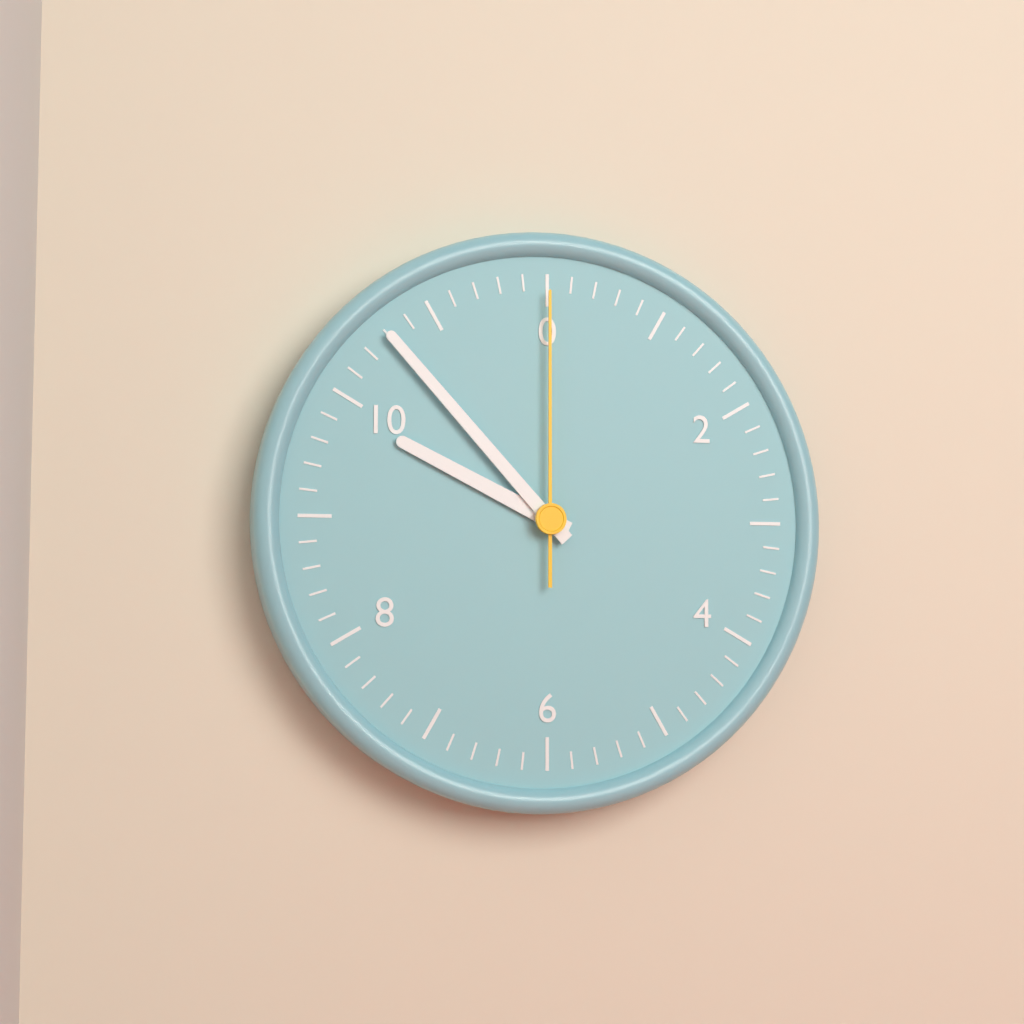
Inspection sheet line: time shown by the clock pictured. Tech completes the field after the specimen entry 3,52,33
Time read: 9,53,00
